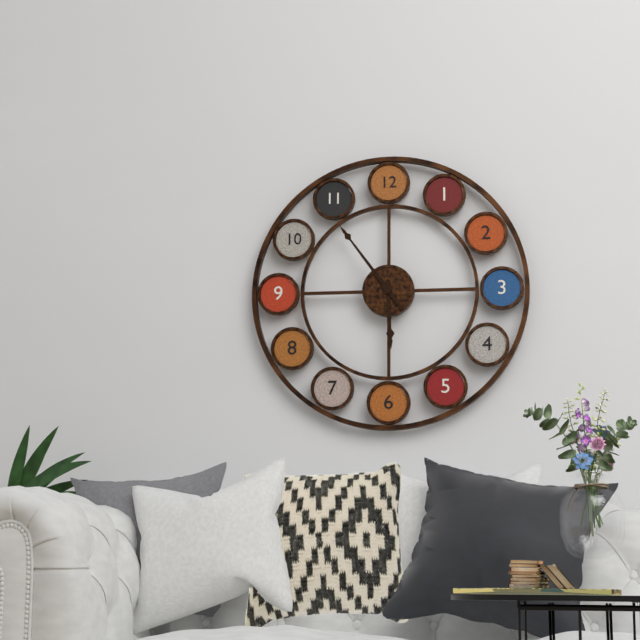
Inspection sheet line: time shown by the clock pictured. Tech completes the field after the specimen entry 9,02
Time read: 5,54
